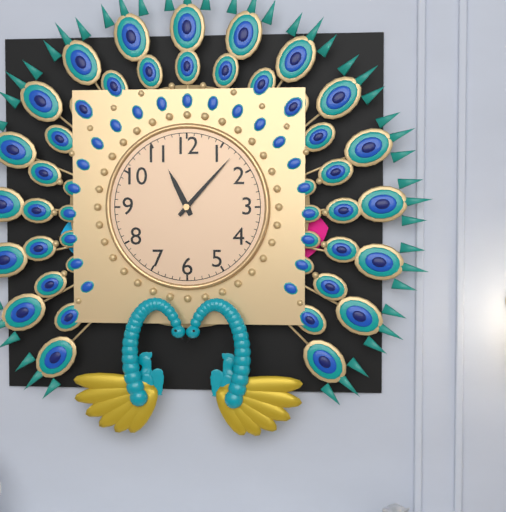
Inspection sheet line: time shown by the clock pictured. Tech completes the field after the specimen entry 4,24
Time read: 11,07
